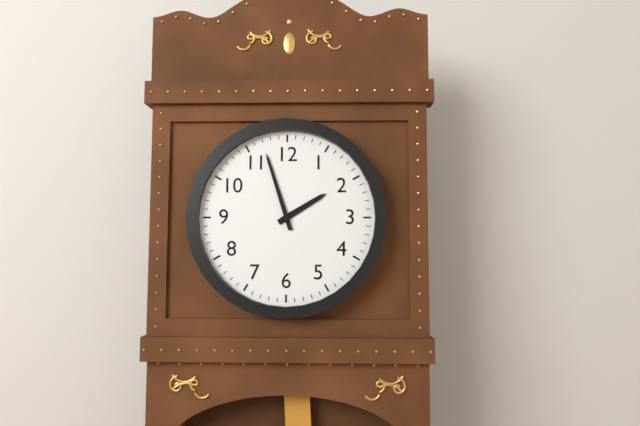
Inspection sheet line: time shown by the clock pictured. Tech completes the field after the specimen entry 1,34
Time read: 1,57
